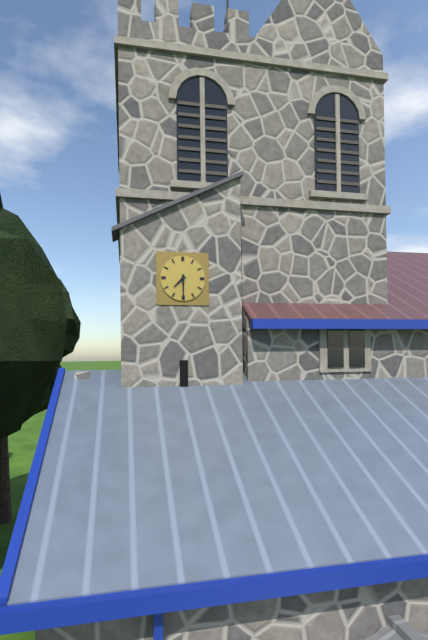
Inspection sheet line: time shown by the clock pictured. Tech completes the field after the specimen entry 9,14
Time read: 7,30
